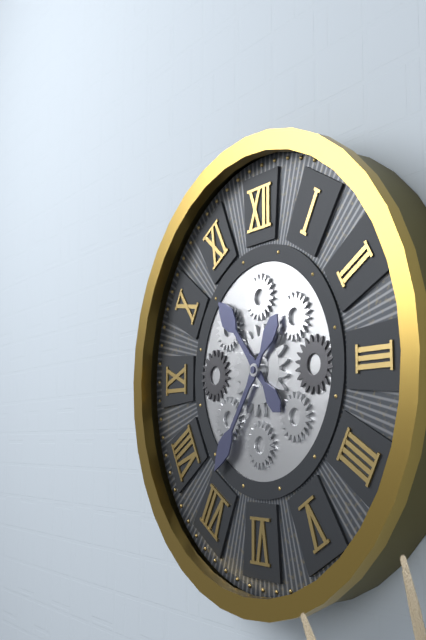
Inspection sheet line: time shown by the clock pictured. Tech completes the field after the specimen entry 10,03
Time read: 10,36
